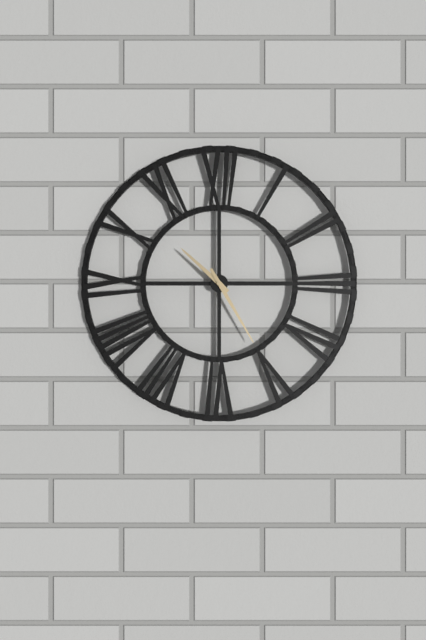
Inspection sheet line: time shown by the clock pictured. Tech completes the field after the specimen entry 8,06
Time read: 10,25
